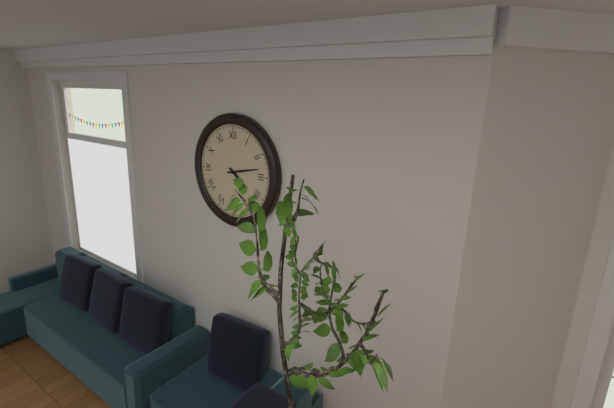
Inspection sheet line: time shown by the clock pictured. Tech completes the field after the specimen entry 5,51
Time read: 4,13
